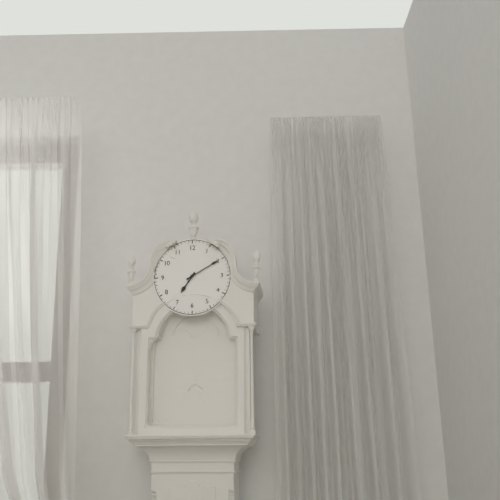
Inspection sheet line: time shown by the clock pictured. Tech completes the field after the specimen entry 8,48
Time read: 7,10
